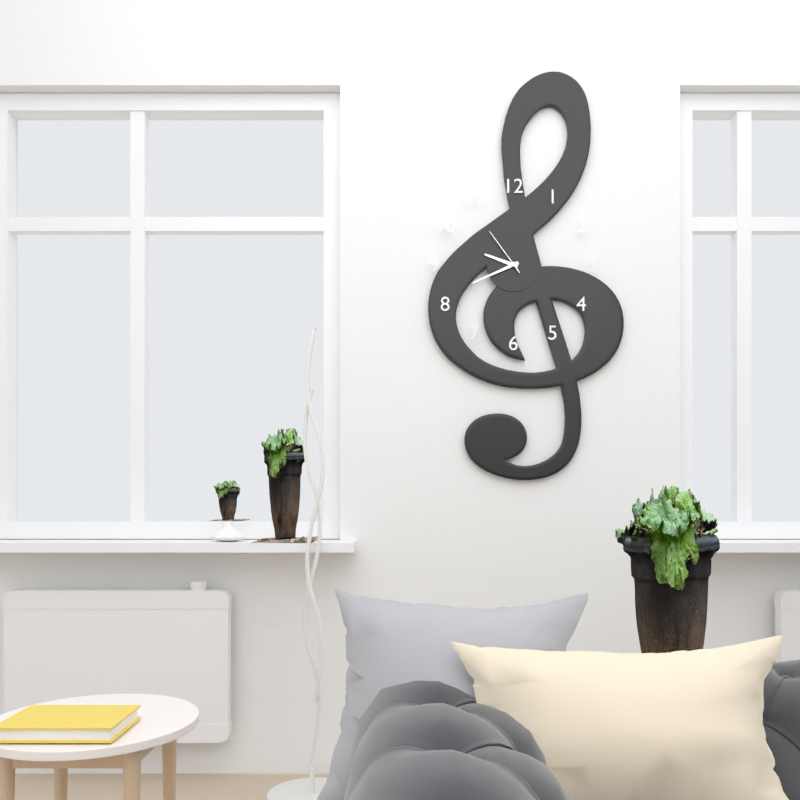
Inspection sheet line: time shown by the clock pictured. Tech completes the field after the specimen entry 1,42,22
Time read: 9,41,54
